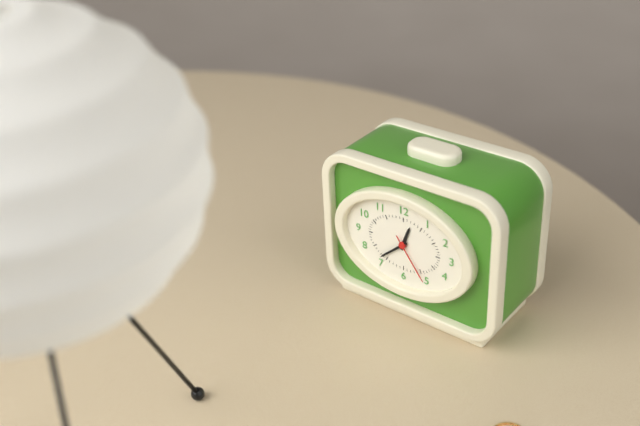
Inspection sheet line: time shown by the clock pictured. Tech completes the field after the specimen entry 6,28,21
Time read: 12,38,24
